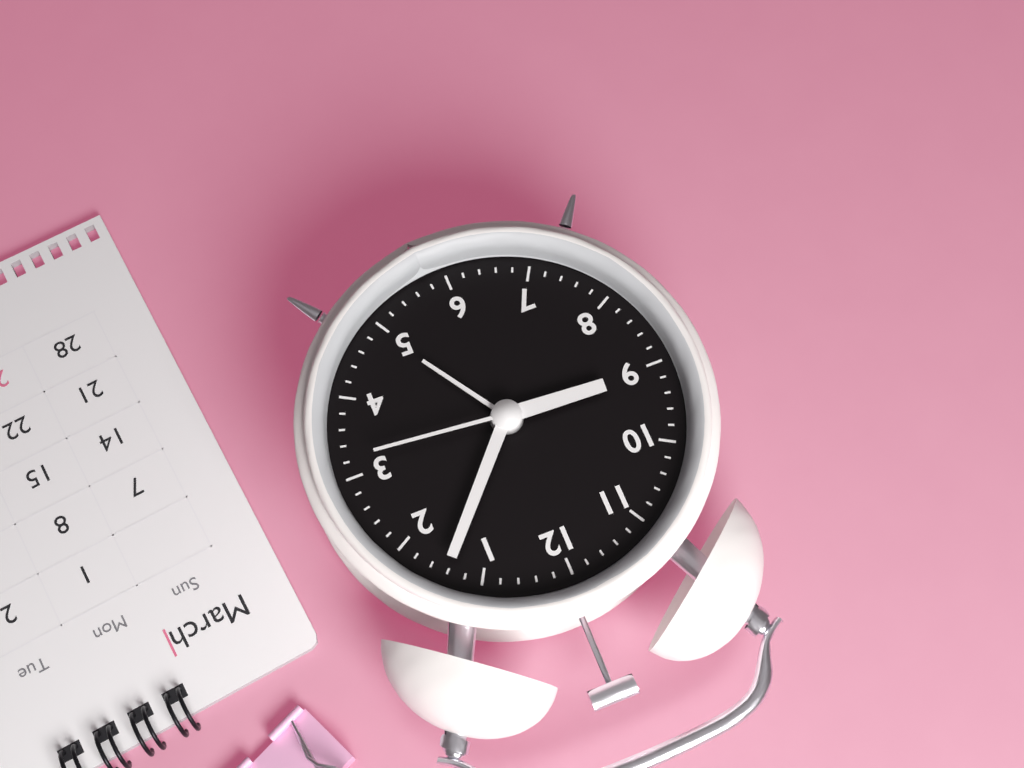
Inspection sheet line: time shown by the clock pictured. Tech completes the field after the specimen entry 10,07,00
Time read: 9,07,16
